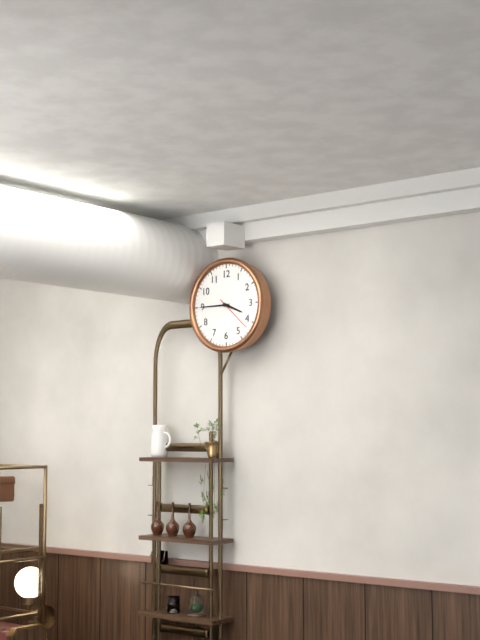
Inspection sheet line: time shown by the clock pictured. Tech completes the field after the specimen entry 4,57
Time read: 3,45
